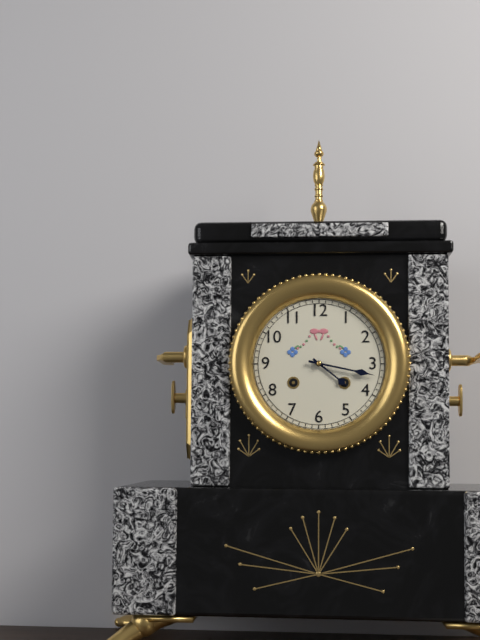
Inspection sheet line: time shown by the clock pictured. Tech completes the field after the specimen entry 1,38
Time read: 4,17
